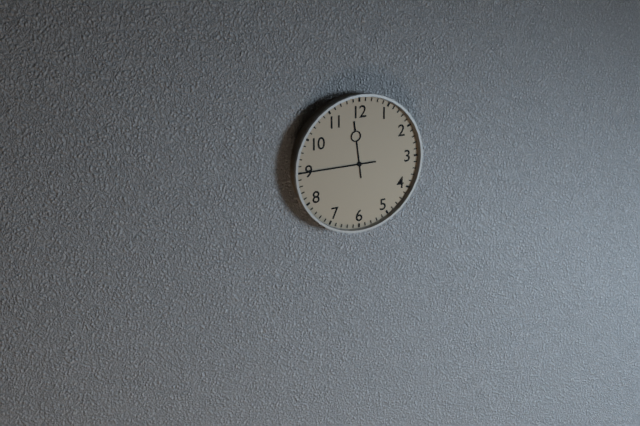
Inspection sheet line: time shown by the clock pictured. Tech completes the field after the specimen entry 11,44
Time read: 11,45
